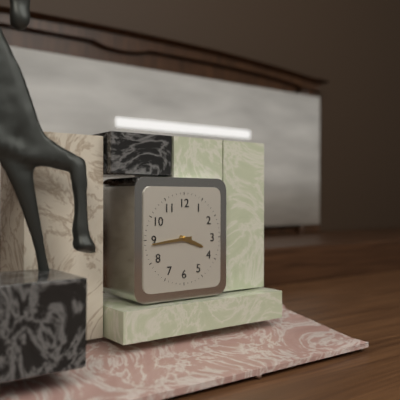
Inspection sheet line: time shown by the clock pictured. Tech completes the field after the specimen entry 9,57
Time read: 3,44
